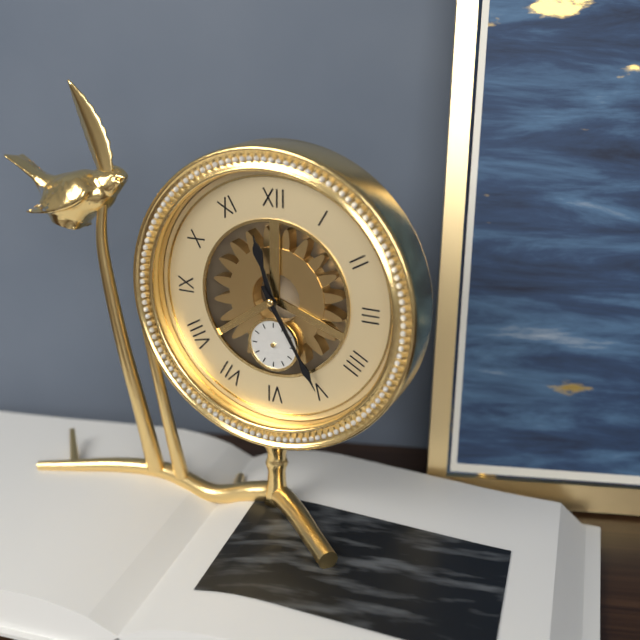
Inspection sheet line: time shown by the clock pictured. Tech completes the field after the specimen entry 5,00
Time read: 11,25
